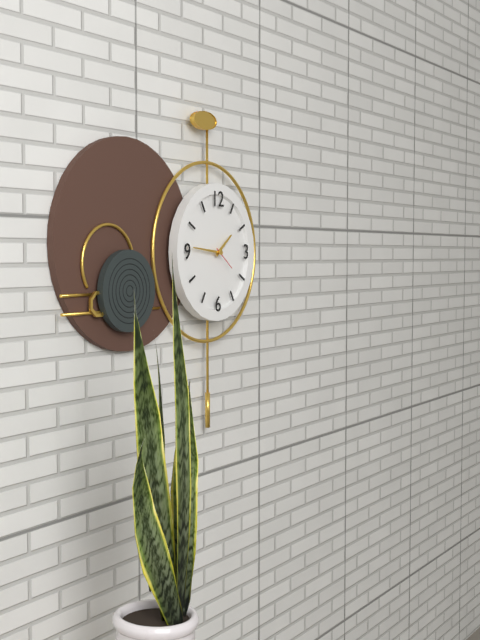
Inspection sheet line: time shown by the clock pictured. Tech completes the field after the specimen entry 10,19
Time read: 1,46
